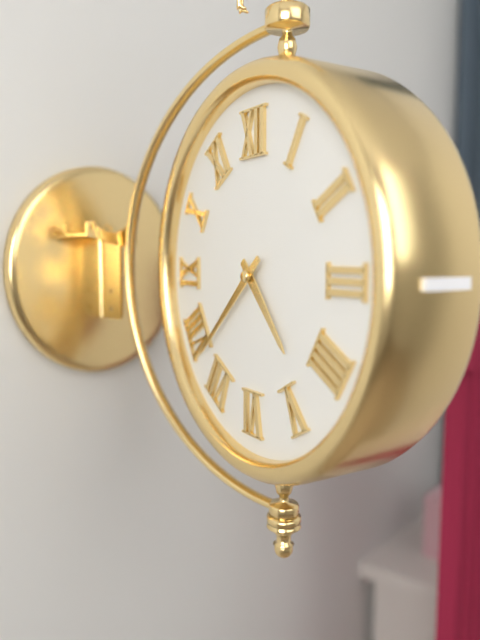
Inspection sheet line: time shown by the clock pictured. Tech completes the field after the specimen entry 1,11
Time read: 4,38
